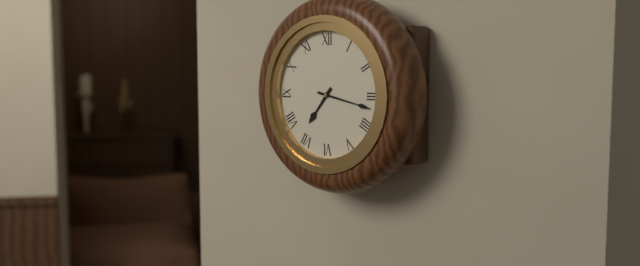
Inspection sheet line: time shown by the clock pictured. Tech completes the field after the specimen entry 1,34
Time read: 7,17
